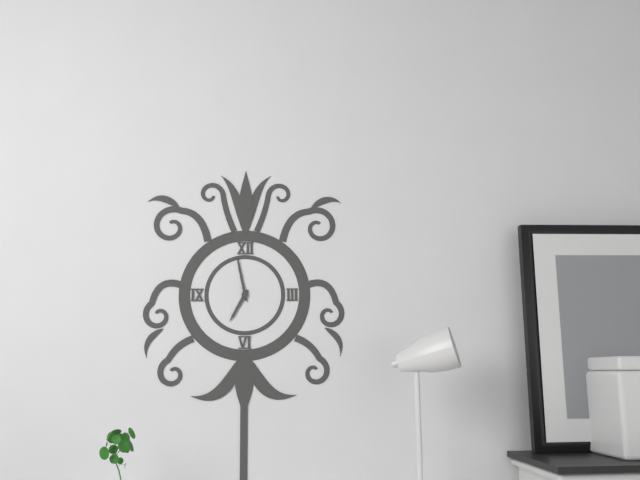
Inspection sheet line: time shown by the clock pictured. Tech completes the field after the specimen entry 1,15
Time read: 6,58
